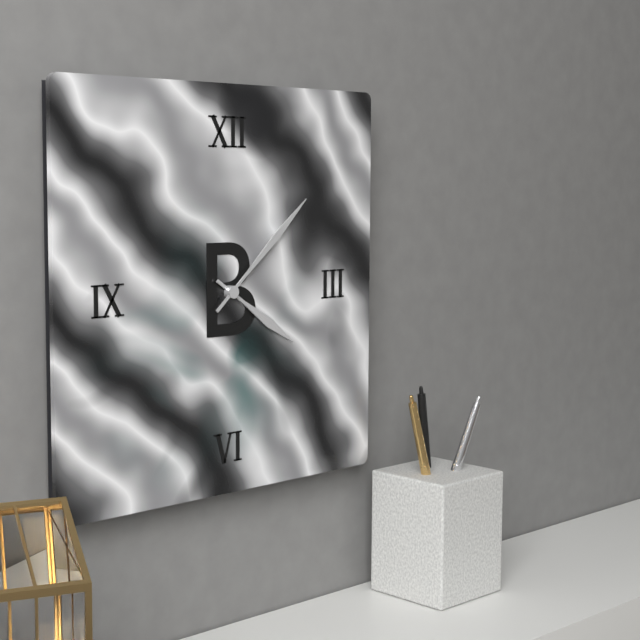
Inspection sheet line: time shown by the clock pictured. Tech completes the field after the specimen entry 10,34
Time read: 4,08
